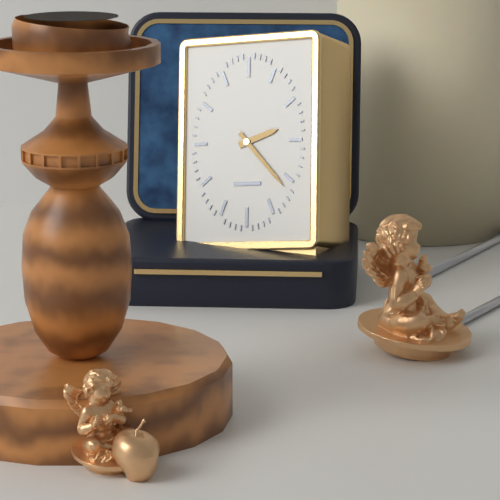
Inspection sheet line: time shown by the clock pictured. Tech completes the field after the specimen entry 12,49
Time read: 2,23
